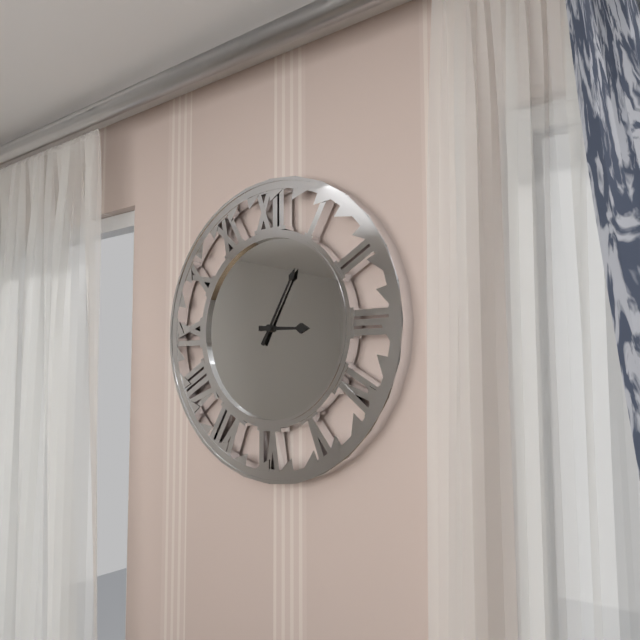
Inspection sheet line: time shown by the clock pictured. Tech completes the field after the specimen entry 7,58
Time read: 3,05
